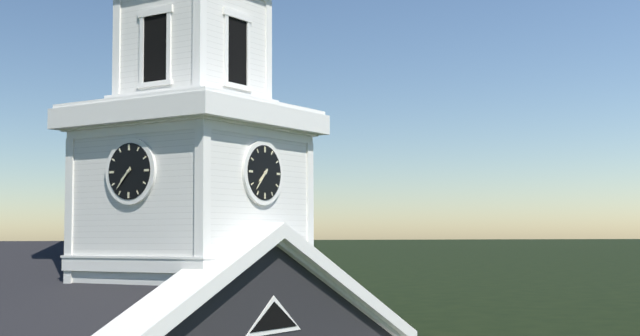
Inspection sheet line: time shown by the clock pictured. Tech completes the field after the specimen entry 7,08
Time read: 7,37
